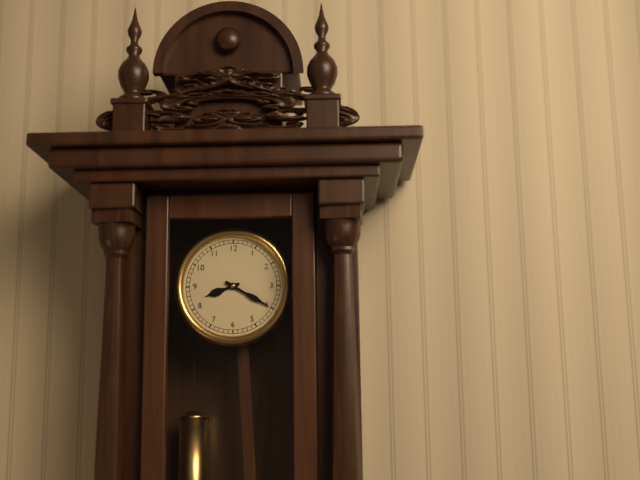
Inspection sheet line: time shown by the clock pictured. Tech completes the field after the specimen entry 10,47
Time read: 8,20
